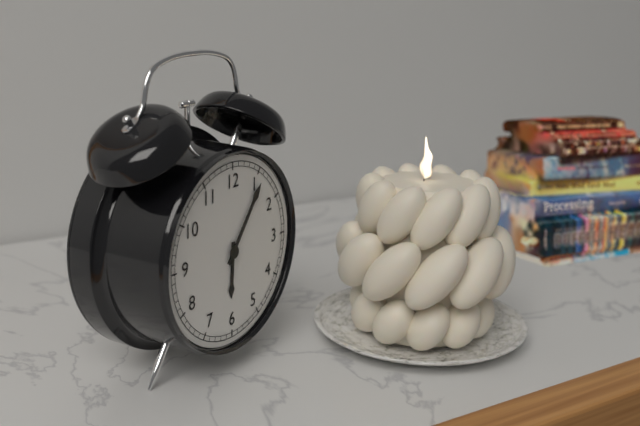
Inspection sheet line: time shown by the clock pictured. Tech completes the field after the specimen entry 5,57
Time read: 6,06
